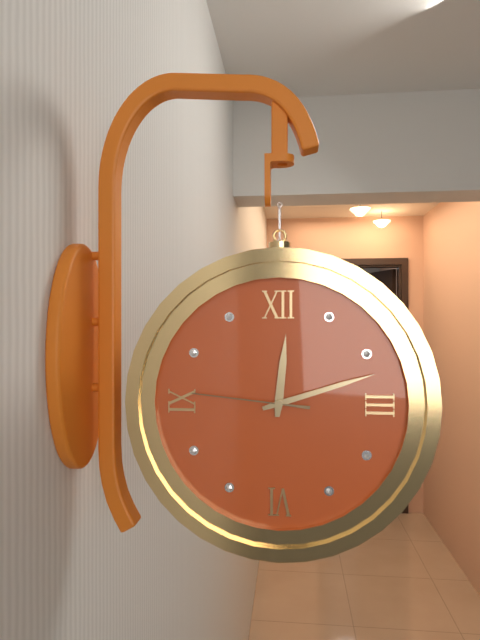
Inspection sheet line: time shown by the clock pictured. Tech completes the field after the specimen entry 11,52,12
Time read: 12,12,46
